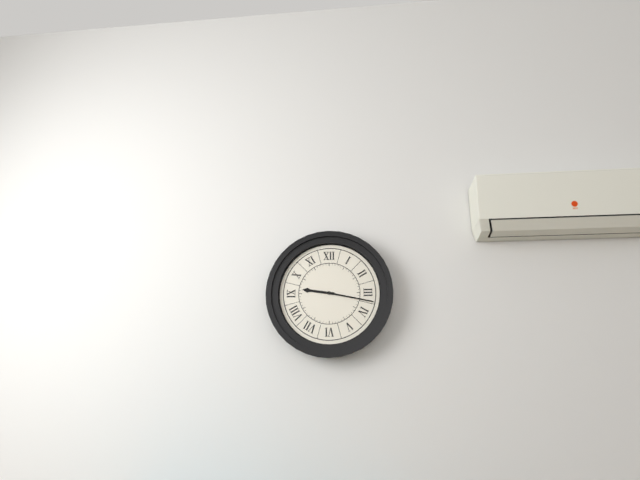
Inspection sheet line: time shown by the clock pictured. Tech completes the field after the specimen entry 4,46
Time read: 9,17
